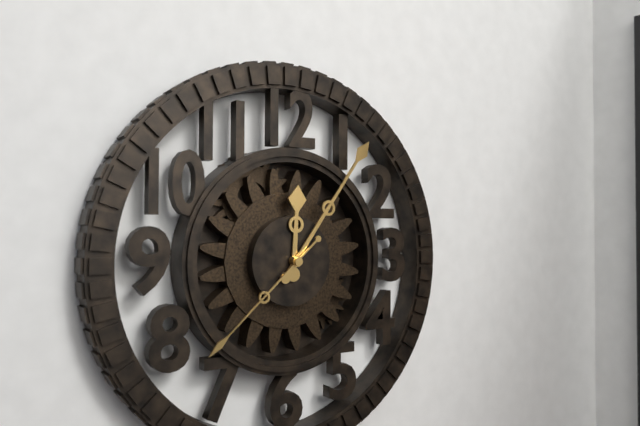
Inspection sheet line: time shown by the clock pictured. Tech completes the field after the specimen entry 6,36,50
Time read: 12,06,38
